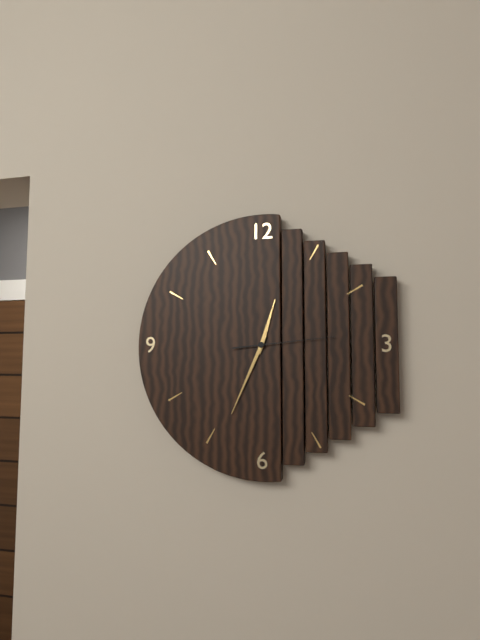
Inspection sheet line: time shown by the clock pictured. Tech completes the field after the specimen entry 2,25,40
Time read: 12,34,14
